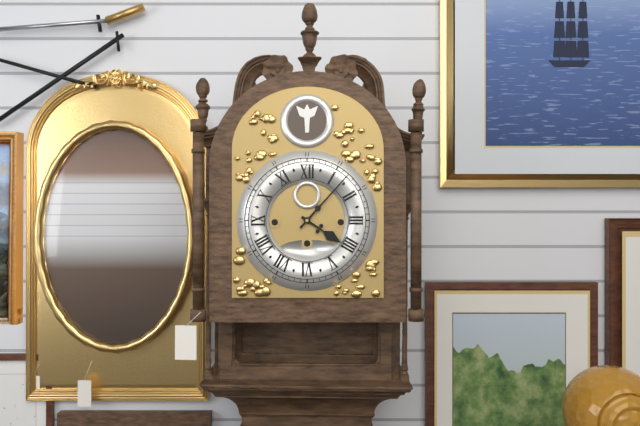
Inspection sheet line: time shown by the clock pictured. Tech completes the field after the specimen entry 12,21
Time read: 4,07
